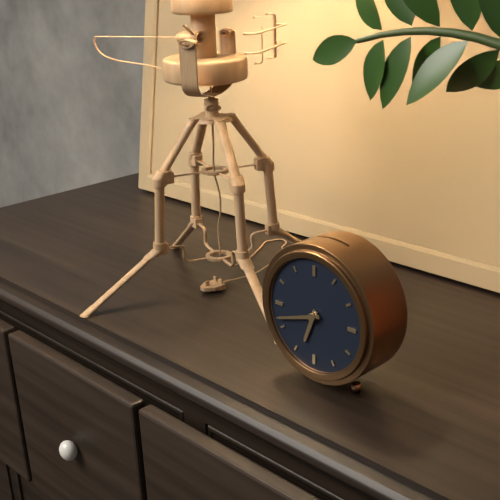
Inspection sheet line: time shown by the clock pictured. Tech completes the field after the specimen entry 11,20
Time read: 6,42
